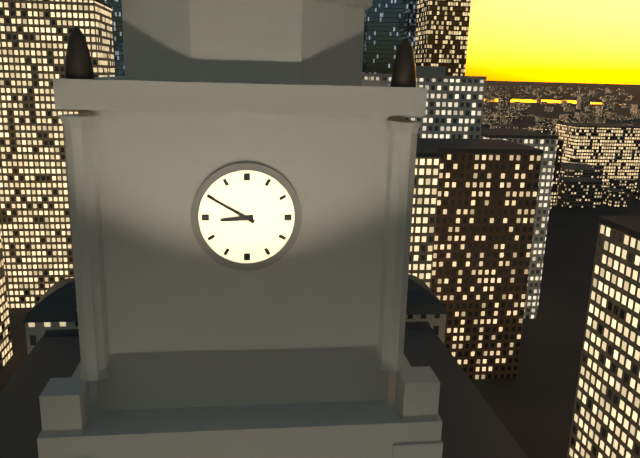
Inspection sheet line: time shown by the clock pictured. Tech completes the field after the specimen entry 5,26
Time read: 8,50
